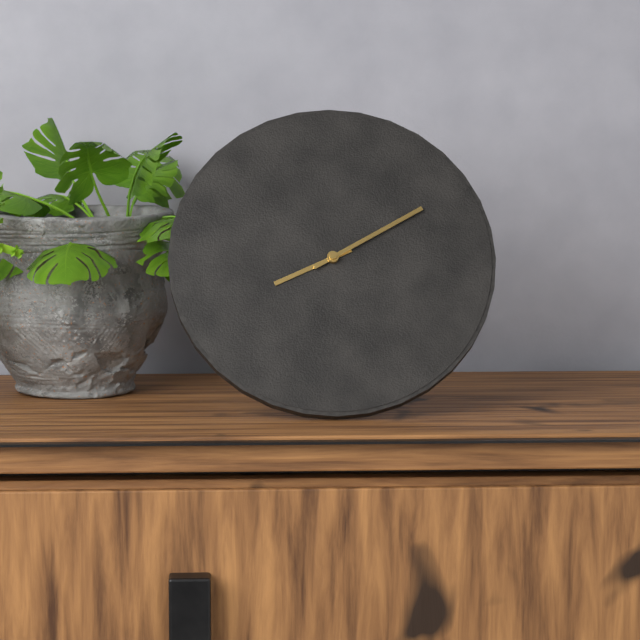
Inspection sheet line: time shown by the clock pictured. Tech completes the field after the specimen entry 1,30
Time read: 8,10
